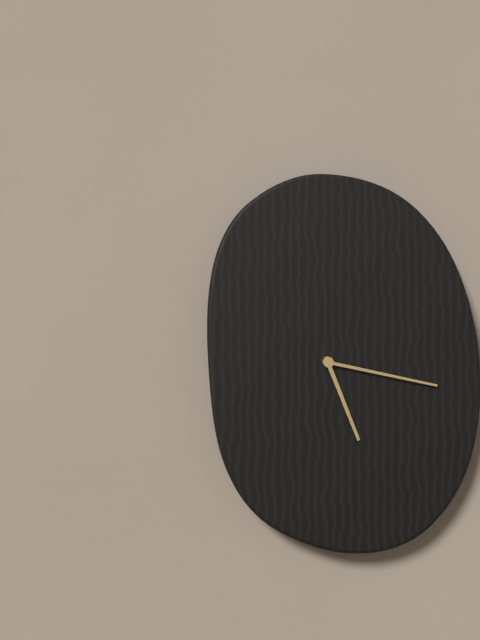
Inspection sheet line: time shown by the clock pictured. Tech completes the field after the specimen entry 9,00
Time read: 5,17
